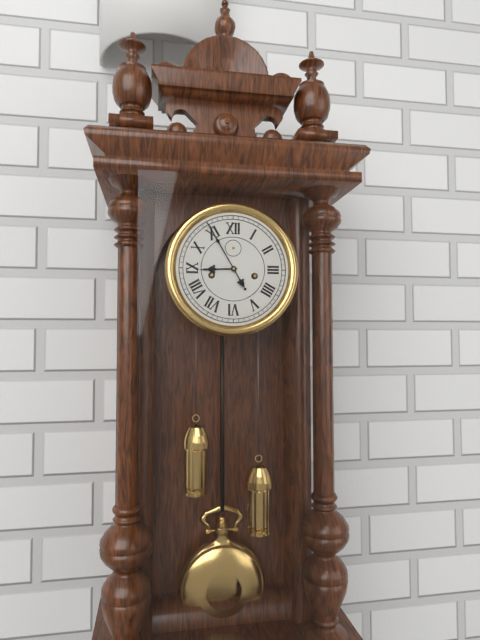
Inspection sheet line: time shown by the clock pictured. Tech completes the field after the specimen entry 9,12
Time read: 8,55
